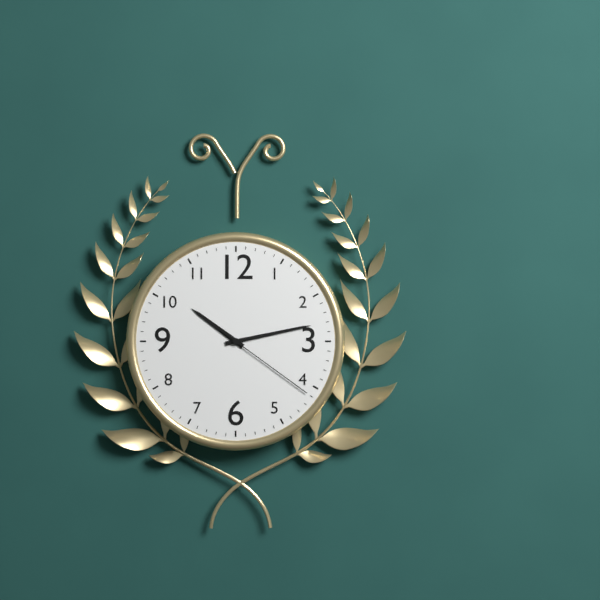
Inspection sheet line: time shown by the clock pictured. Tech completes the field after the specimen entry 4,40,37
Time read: 10,13,21
